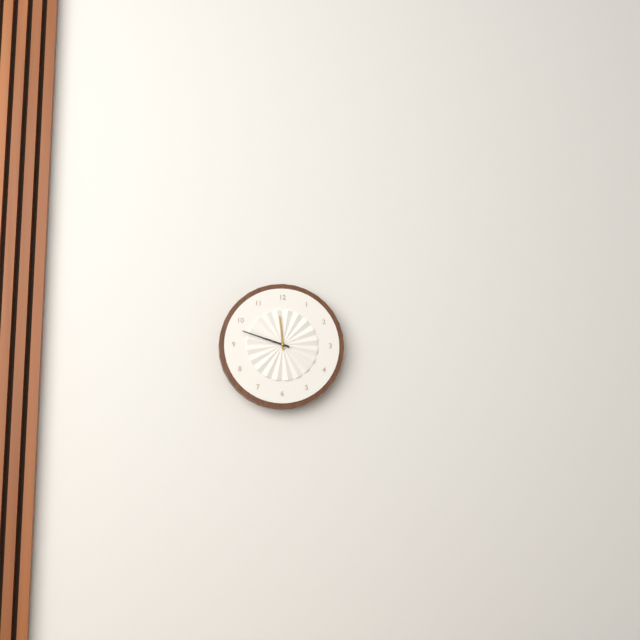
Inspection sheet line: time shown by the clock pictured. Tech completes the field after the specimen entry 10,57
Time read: 11,48
